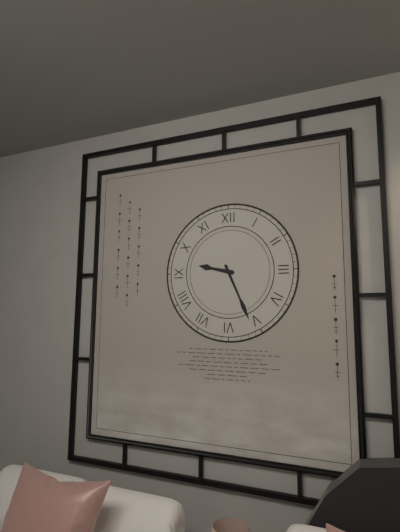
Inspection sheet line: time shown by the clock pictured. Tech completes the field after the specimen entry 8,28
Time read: 9,26
